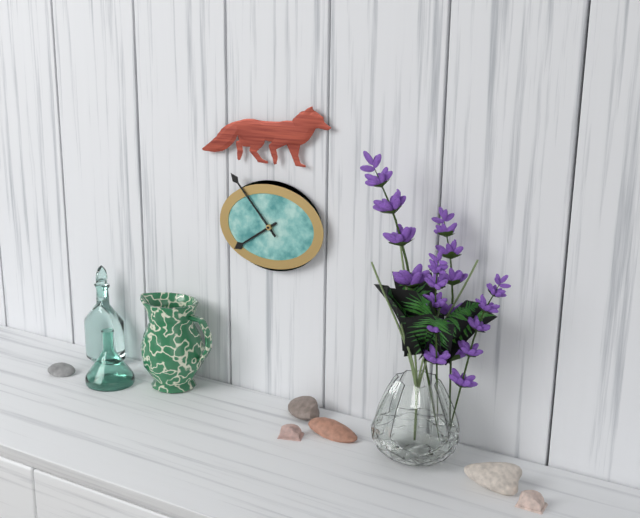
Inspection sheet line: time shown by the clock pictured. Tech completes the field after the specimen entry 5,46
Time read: 7,53
